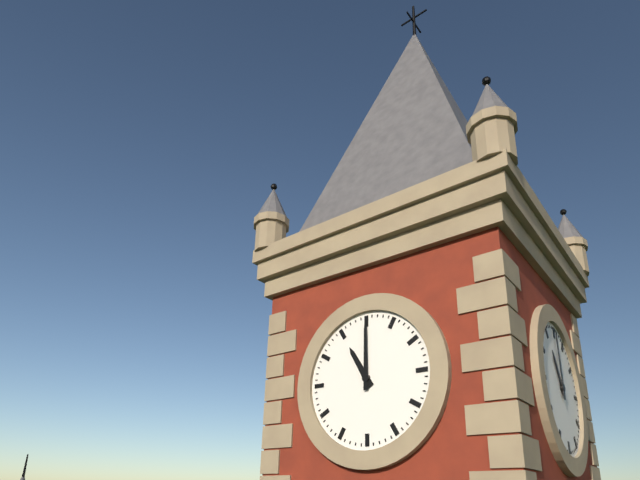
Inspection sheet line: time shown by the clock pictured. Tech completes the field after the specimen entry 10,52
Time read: 11,00
